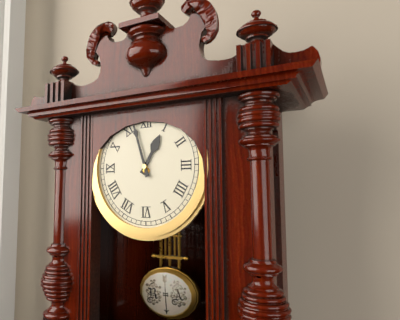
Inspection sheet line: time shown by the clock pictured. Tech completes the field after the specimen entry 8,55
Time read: 12,57
